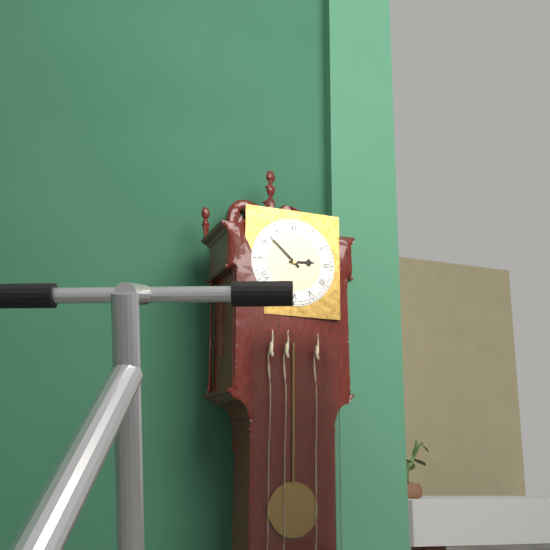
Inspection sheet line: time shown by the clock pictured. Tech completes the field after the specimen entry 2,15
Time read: 2,52
